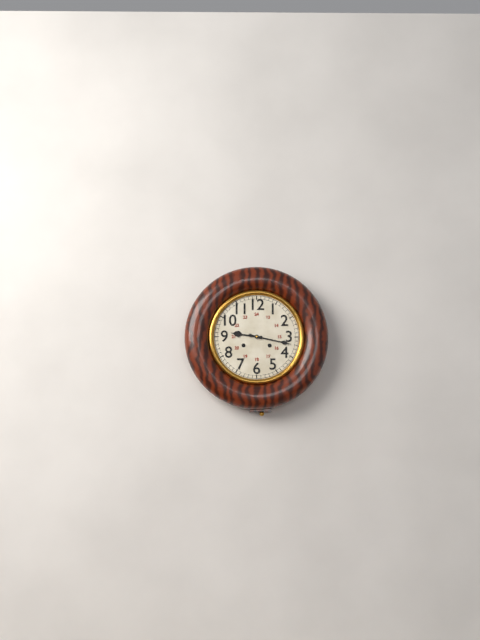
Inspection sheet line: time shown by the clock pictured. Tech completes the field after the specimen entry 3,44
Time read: 9,17
